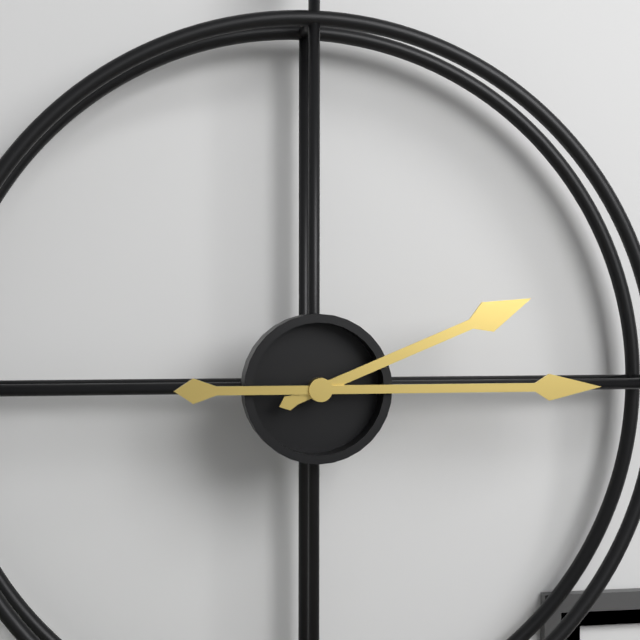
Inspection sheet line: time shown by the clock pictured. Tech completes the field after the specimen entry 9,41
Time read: 2,15
